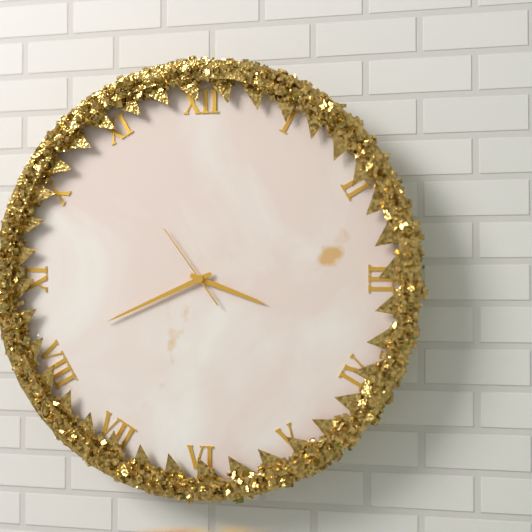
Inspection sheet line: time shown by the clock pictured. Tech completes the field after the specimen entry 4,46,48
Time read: 3,41,54
